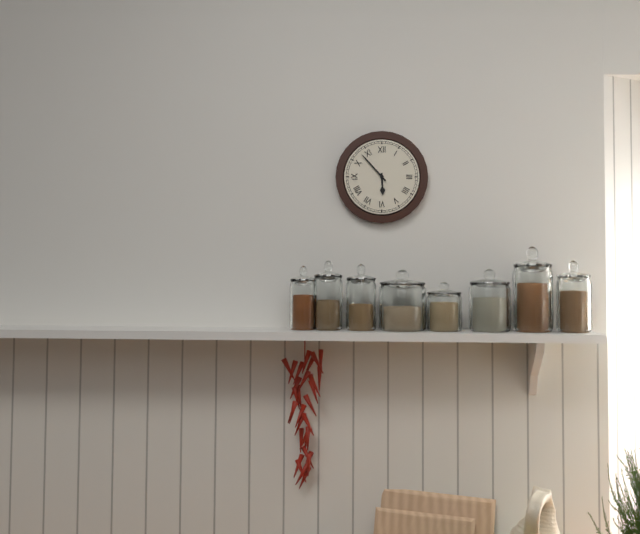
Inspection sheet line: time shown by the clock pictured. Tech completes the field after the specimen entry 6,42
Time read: 5,53
